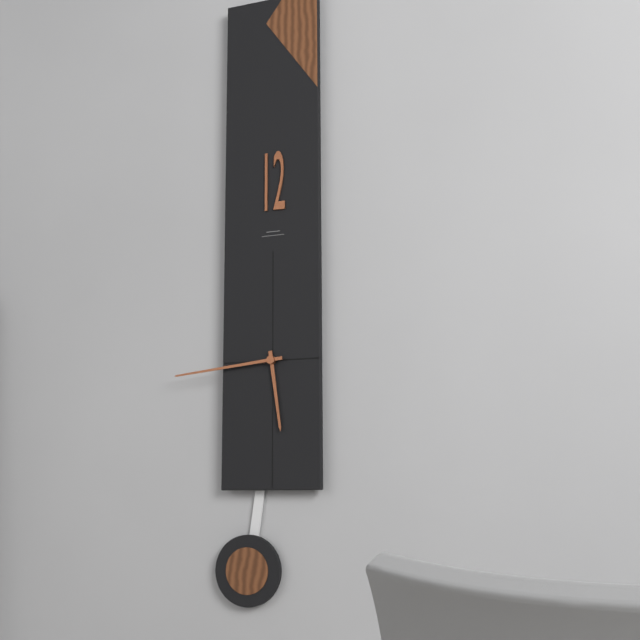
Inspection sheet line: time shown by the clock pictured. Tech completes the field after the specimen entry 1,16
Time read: 5,44
